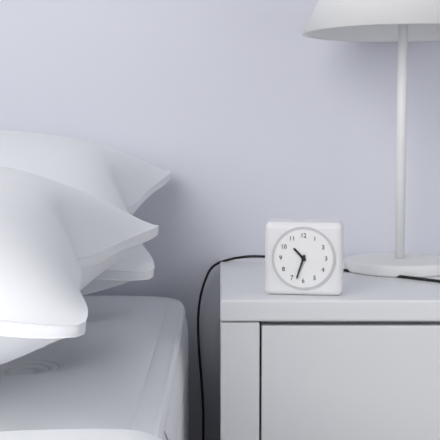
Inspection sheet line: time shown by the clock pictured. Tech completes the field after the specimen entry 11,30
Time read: 10,33
